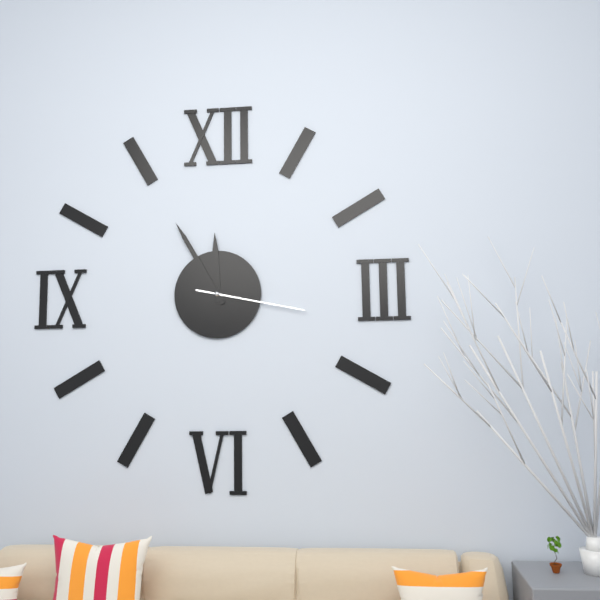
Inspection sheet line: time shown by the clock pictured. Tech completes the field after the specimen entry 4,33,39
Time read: 11,55,17
